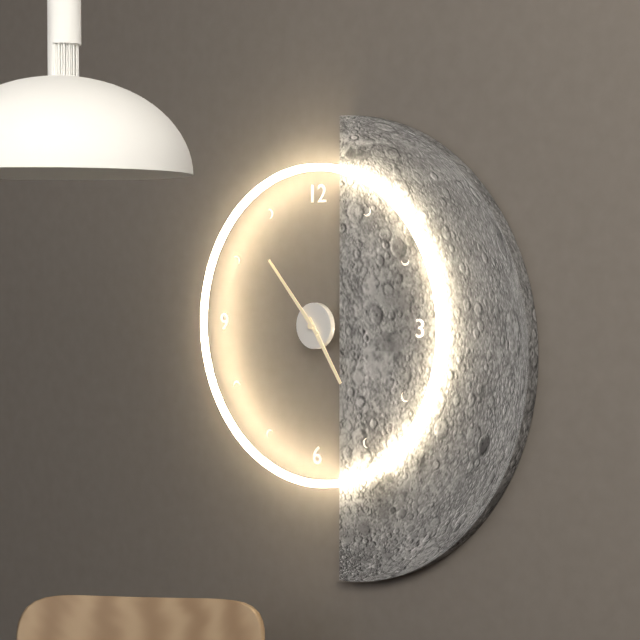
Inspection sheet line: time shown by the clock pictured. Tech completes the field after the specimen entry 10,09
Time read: 4,53
